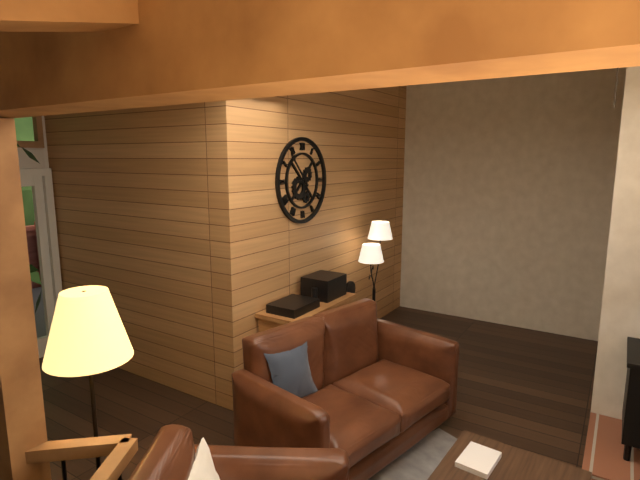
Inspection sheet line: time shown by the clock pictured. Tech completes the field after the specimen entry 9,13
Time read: 8,53
